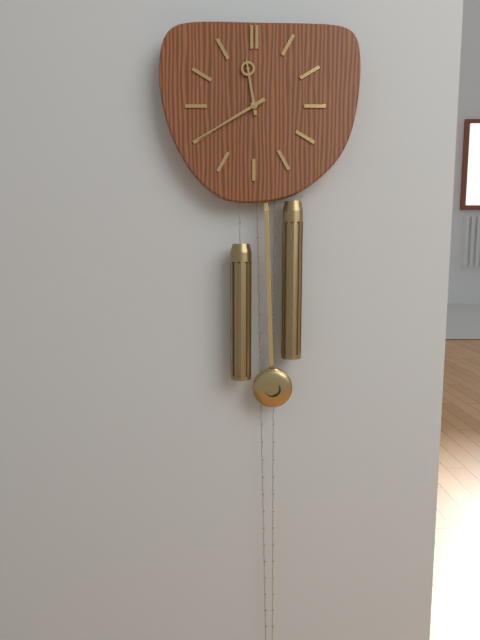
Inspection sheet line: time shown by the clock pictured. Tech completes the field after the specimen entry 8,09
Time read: 11,40
